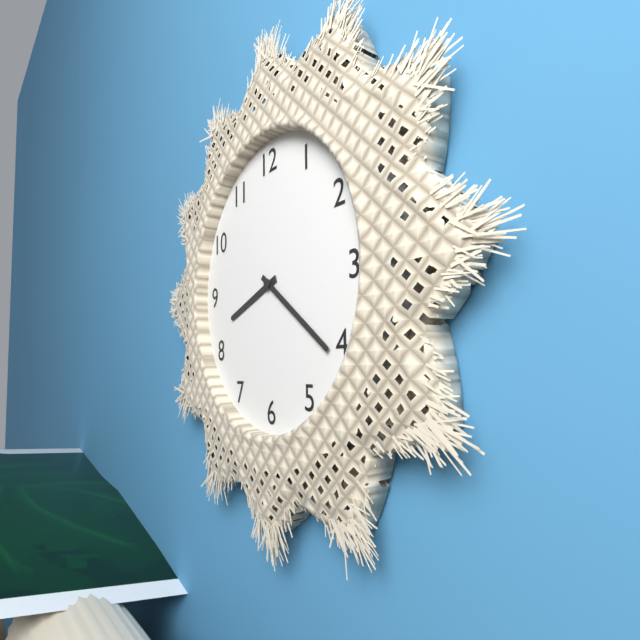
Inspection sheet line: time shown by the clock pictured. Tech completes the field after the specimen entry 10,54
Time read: 8,21
